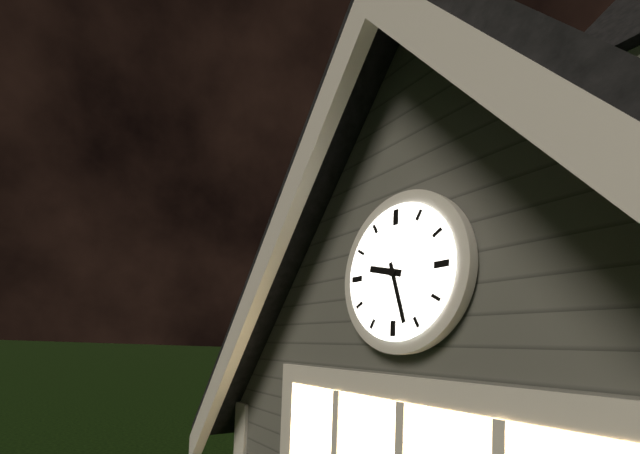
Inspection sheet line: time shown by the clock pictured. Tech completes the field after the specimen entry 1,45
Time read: 9,27
